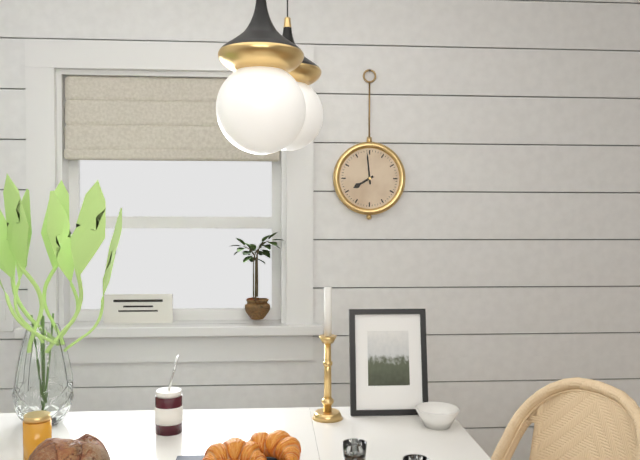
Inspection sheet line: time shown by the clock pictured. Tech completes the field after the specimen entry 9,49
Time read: 7,59
